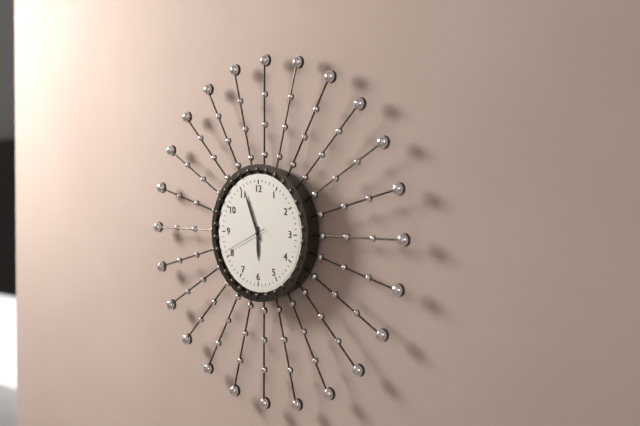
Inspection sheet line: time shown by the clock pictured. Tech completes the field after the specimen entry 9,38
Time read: 5,56
